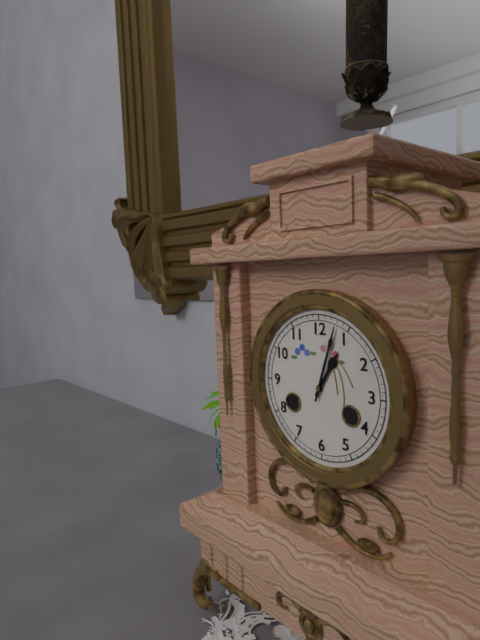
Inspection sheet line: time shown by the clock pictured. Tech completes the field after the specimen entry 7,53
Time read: 1,03
